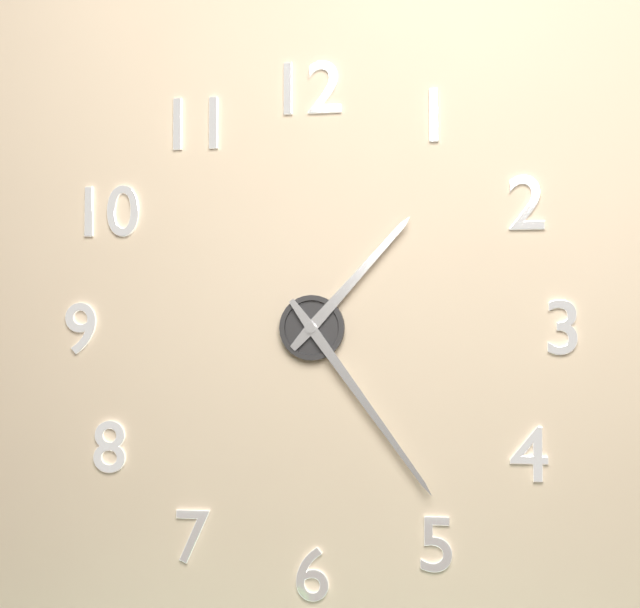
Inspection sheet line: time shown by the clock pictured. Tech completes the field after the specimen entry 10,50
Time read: 1,24
